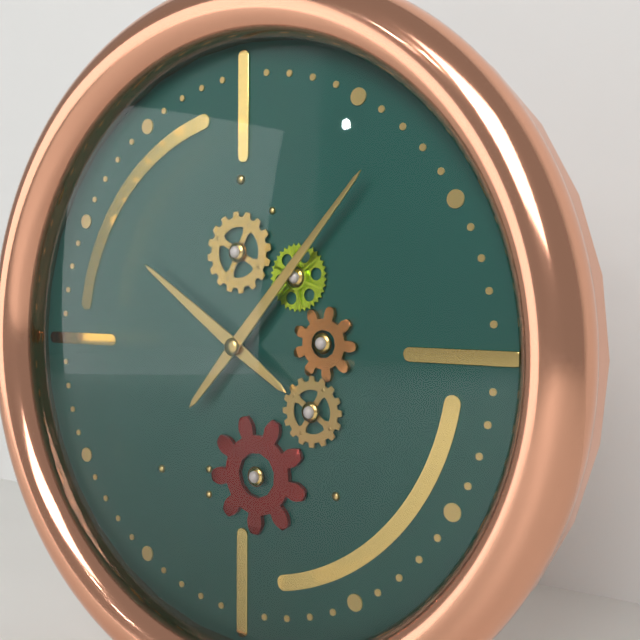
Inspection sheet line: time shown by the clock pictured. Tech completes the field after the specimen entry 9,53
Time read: 10,07
